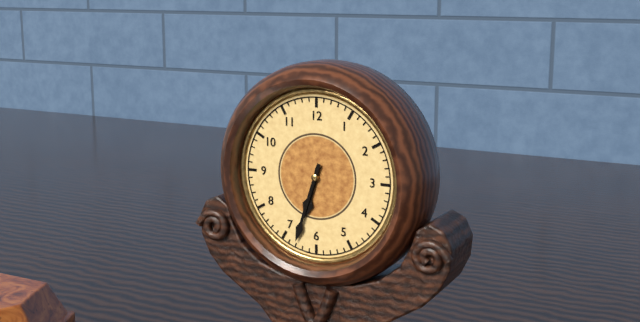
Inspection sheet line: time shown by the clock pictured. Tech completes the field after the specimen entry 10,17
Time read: 6,33
